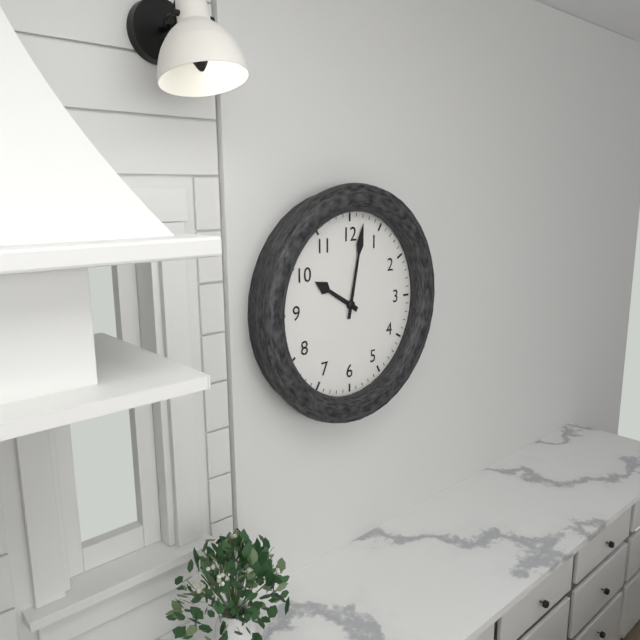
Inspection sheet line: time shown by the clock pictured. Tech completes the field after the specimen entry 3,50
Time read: 10,02
